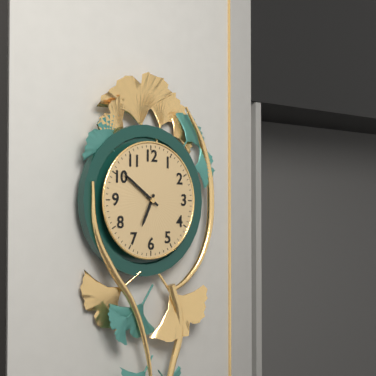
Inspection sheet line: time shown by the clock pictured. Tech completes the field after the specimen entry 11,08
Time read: 6,51
